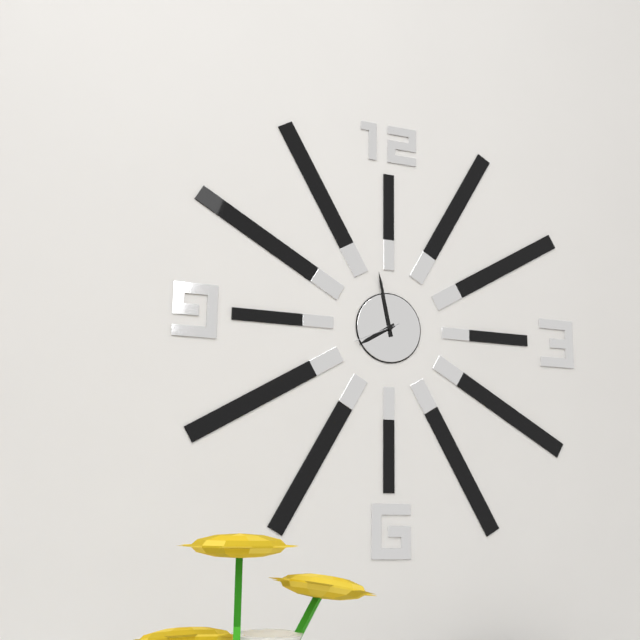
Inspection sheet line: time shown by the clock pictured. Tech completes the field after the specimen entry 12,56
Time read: 7,58
